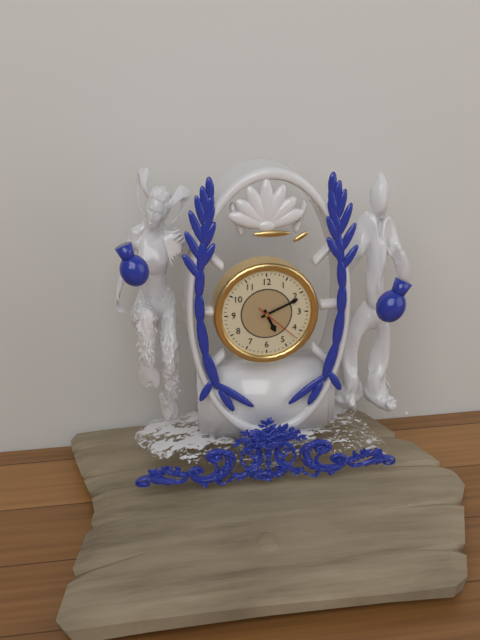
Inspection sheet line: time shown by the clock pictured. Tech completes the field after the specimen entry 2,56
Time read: 5,11
